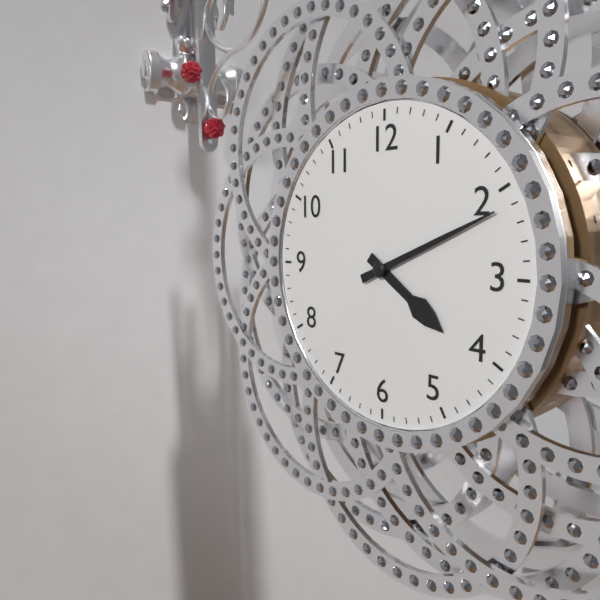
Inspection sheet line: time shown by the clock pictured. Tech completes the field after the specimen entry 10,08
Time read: 4,11
